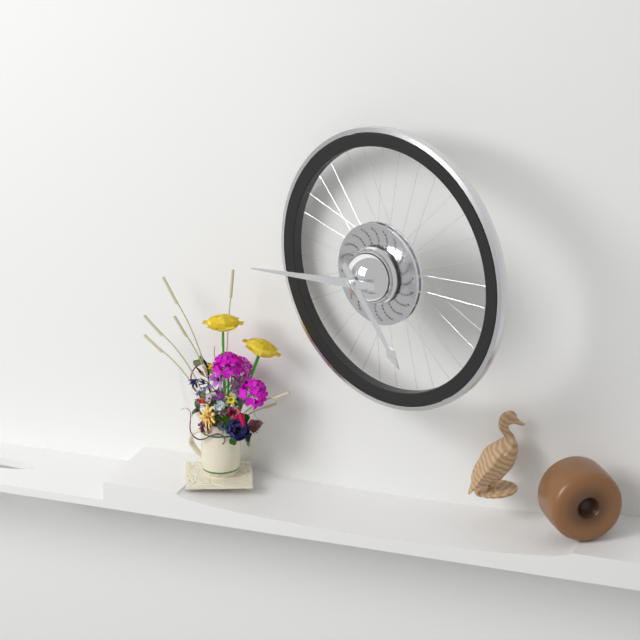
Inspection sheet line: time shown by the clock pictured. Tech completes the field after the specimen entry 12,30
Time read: 4,44
